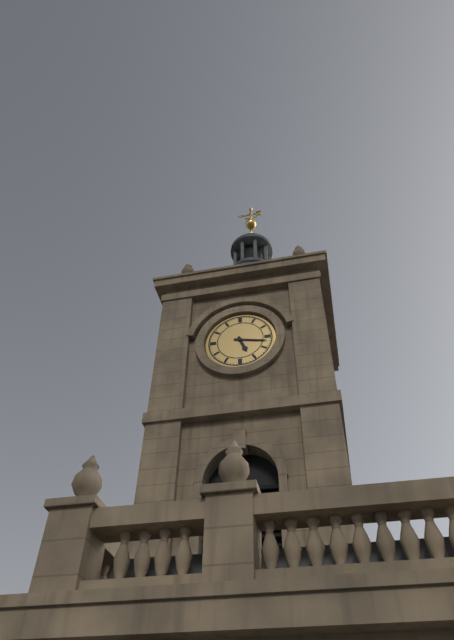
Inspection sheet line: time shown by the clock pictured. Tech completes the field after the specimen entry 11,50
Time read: 5,17
